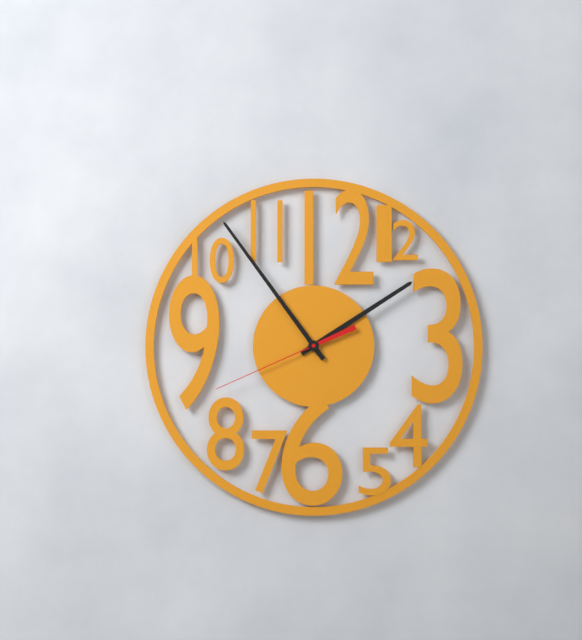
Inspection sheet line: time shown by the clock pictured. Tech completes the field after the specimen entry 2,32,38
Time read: 1,54,41
